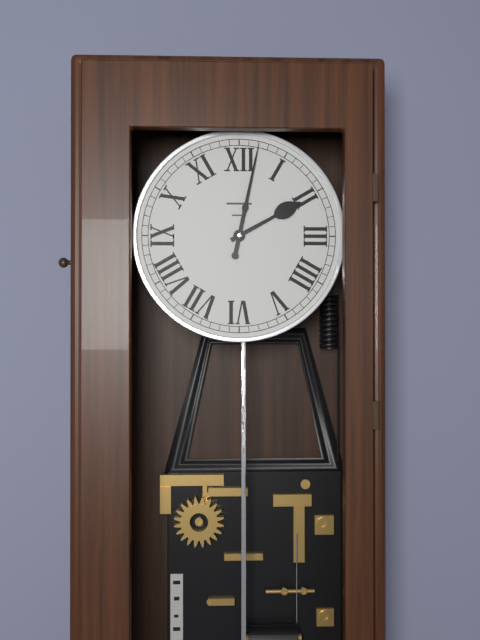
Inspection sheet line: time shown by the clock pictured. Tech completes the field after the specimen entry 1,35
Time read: 2,02
